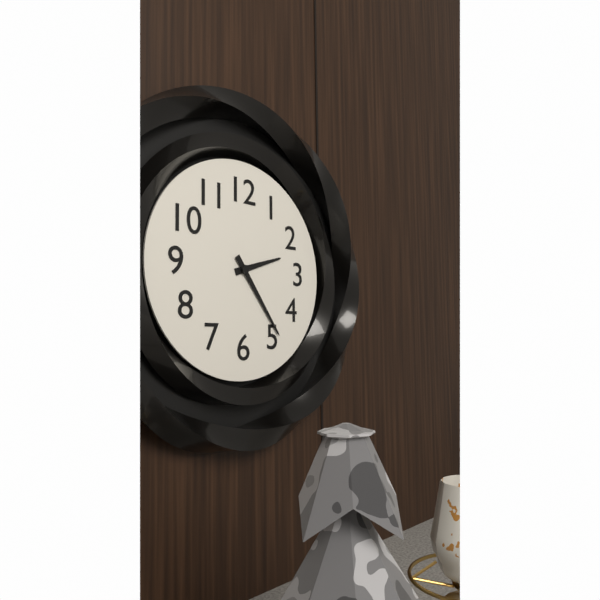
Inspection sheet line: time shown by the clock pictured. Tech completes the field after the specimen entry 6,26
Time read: 2,24
